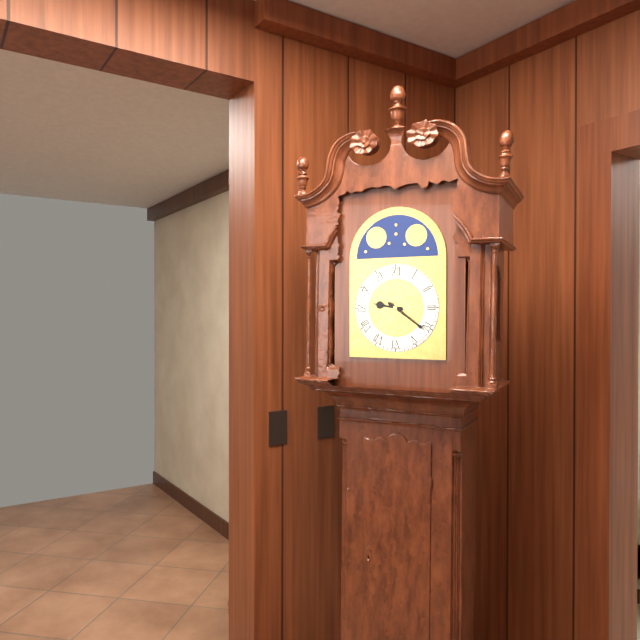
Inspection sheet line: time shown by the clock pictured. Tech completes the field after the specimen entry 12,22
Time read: 9,21
